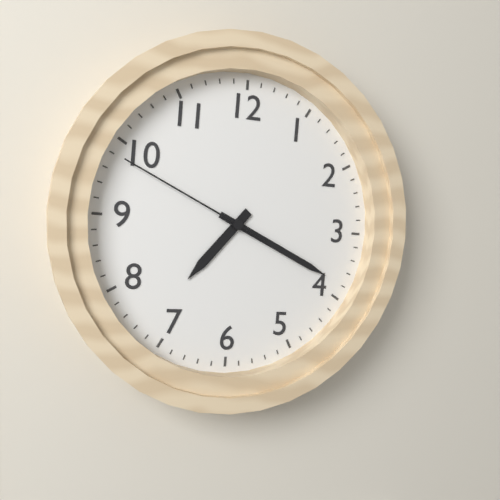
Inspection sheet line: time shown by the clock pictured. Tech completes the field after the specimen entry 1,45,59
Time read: 7,19,49
